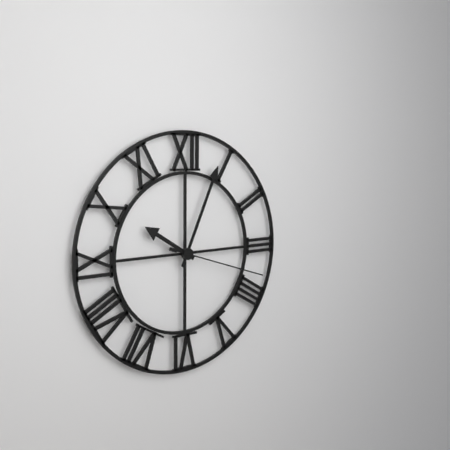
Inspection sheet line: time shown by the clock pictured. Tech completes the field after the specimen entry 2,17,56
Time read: 10,04,18
